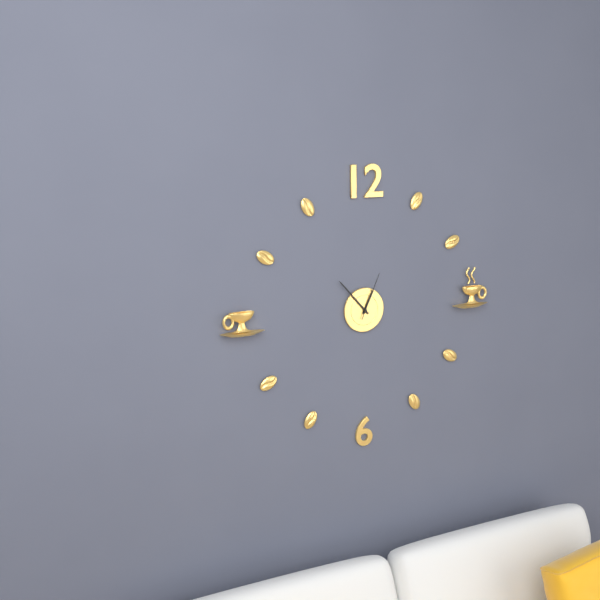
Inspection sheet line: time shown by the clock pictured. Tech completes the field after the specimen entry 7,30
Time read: 12,53
